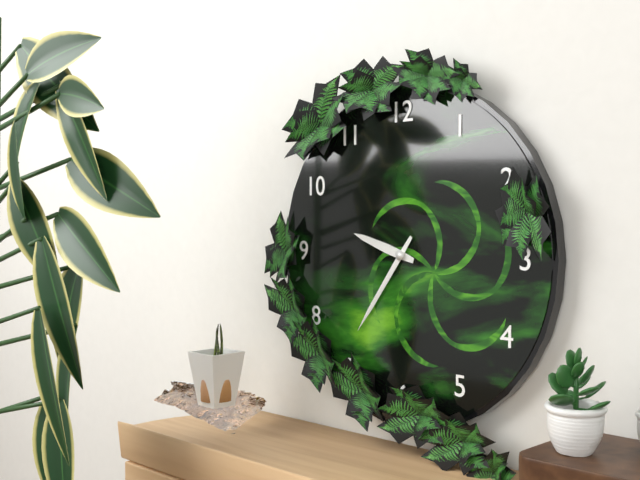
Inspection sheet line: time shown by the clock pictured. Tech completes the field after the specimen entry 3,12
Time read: 9,36
